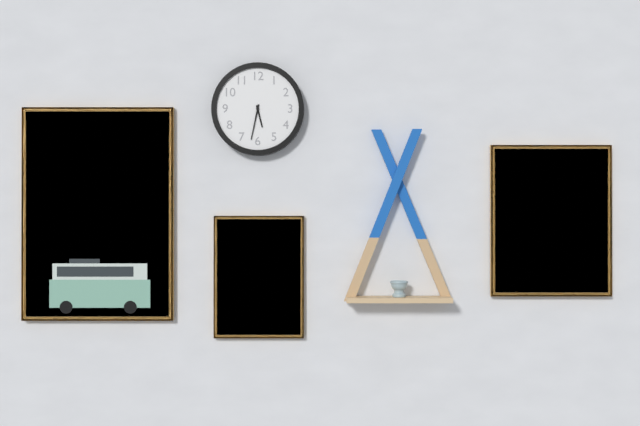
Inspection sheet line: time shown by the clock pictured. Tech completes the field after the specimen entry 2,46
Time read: 5,32
